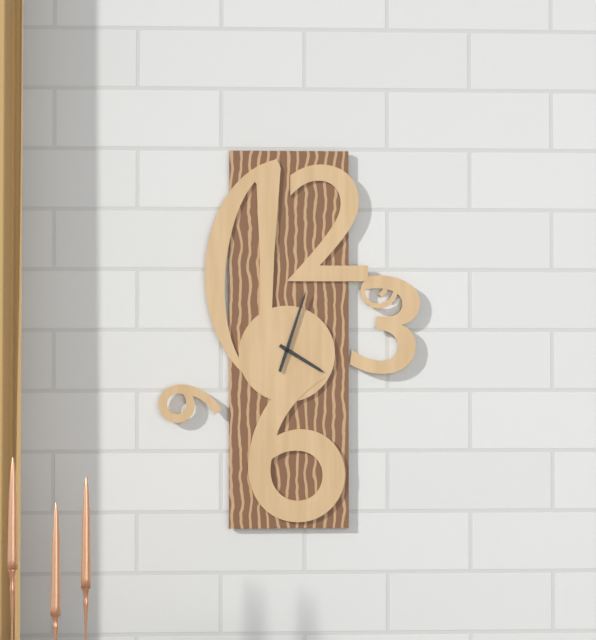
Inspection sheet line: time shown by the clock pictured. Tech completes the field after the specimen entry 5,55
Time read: 4,03
